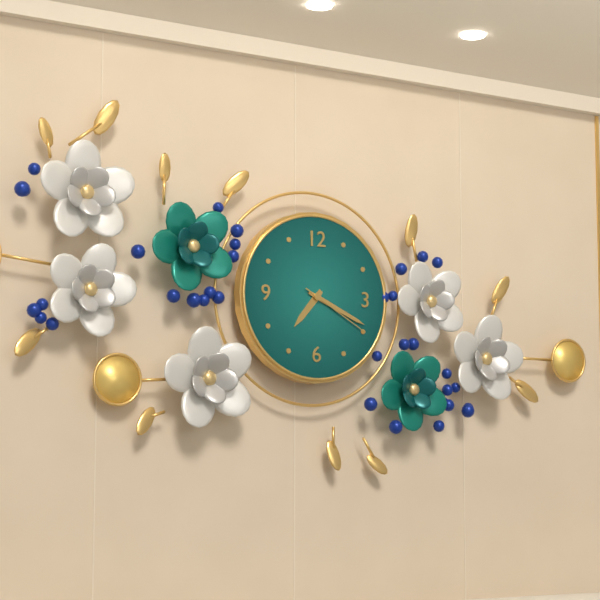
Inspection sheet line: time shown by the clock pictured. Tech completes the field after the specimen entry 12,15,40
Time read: 7,19,20
